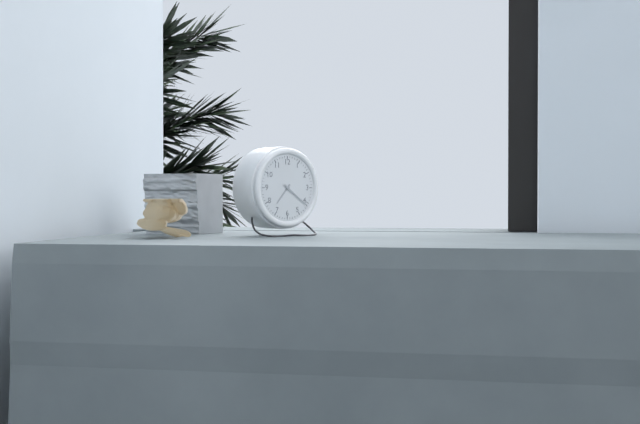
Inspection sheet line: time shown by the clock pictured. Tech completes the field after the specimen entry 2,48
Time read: 7,21
